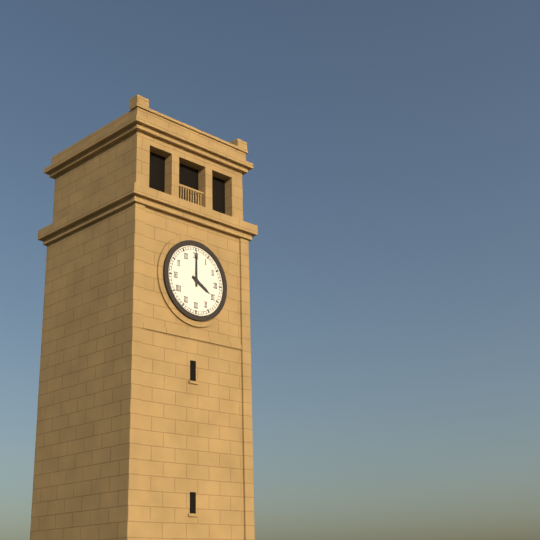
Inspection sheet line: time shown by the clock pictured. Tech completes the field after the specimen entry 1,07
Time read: 4,00
